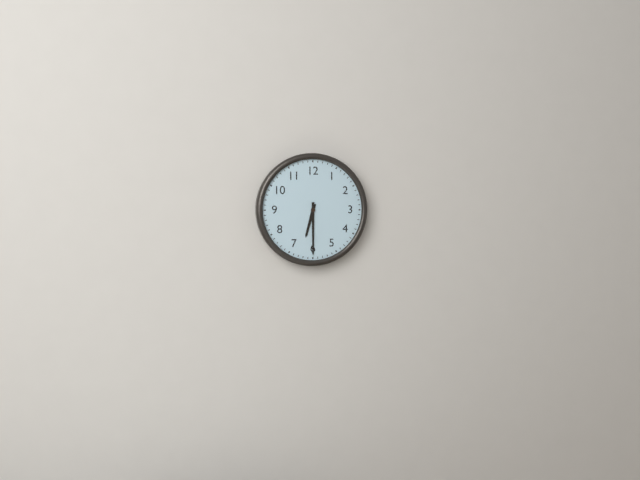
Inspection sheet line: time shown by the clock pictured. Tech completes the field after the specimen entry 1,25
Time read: 6,30
